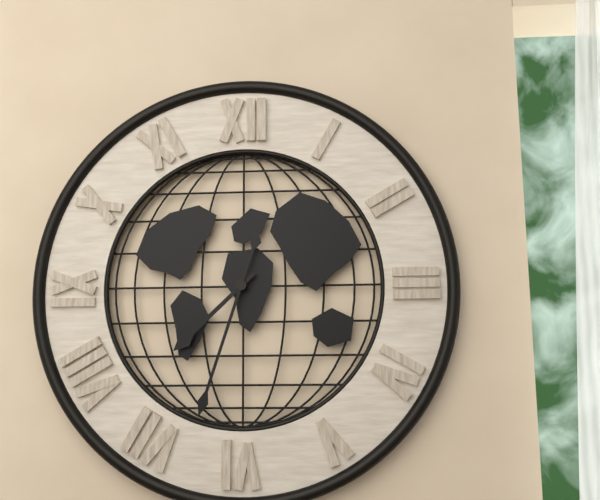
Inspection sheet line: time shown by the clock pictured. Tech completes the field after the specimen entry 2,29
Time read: 7,33
